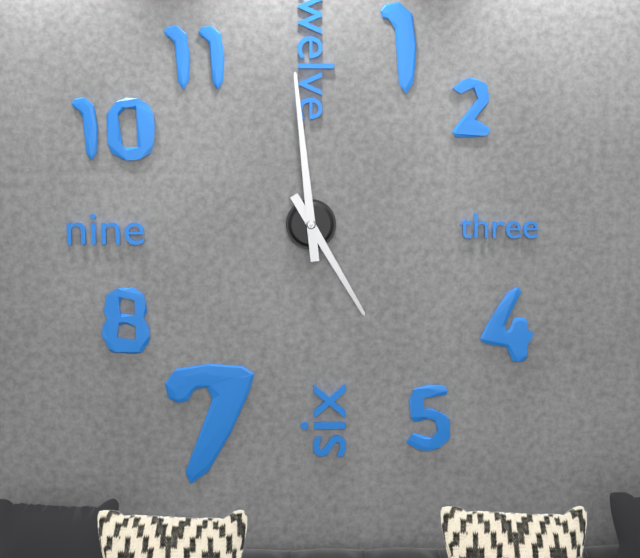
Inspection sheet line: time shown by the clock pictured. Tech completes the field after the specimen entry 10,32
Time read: 4,59
